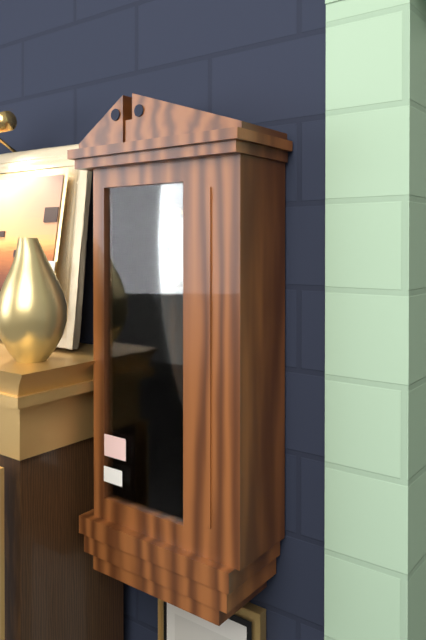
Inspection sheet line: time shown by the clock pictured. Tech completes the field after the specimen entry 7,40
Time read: 9,00
